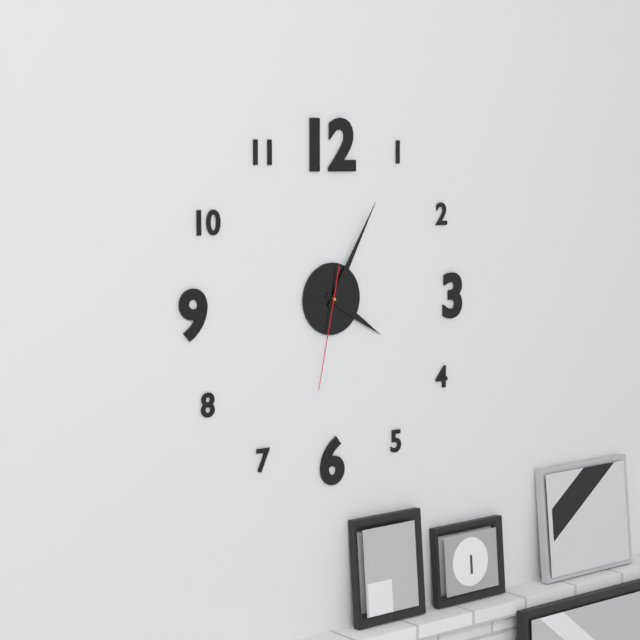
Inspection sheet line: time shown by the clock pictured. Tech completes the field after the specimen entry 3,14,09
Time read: 4,05,32
